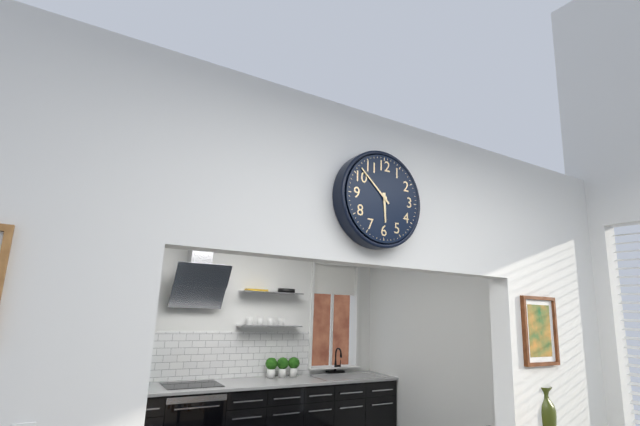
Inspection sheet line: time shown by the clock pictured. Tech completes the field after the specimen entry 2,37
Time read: 5,52
